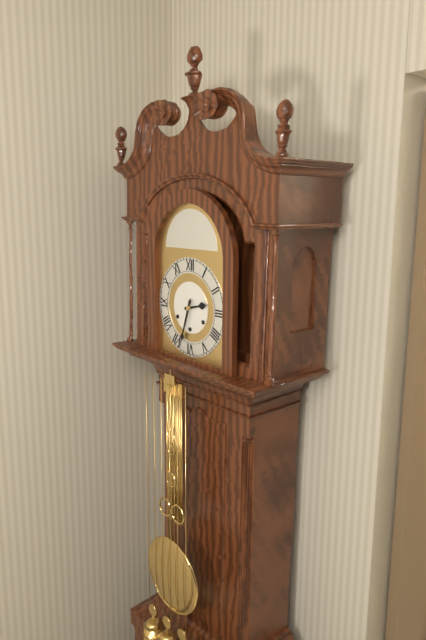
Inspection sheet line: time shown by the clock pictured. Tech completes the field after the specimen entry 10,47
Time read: 2,33
